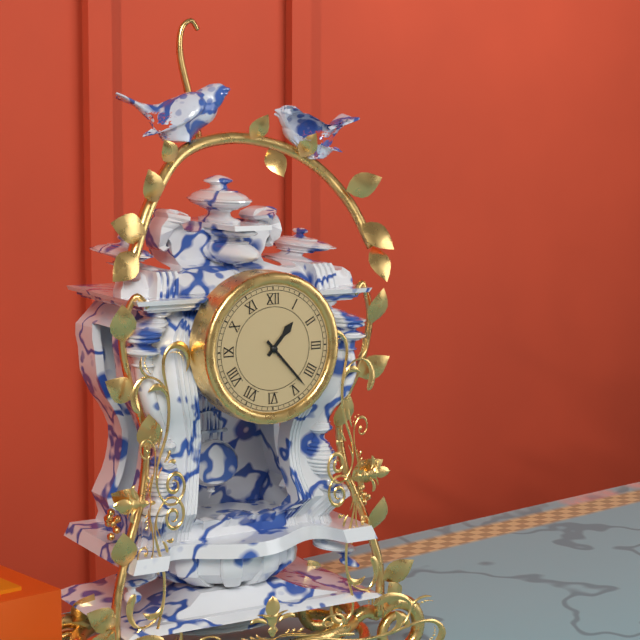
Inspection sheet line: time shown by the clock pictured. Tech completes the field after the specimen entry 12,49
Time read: 1,23
